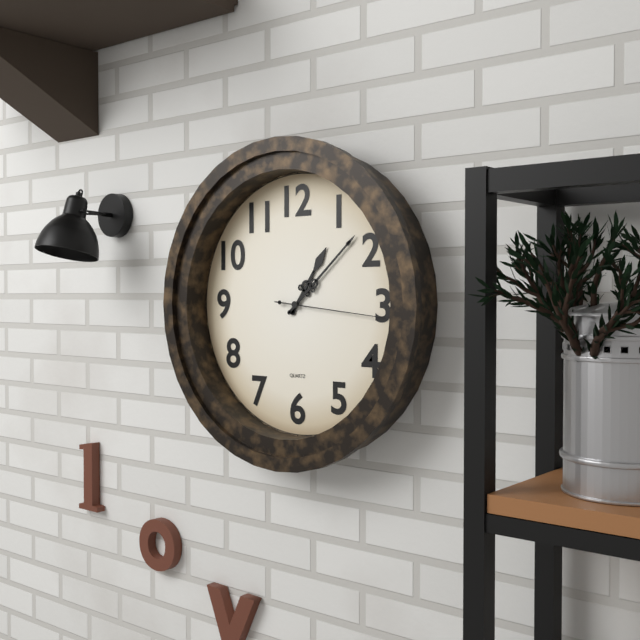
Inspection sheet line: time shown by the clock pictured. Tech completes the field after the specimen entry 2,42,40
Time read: 1,08,16
